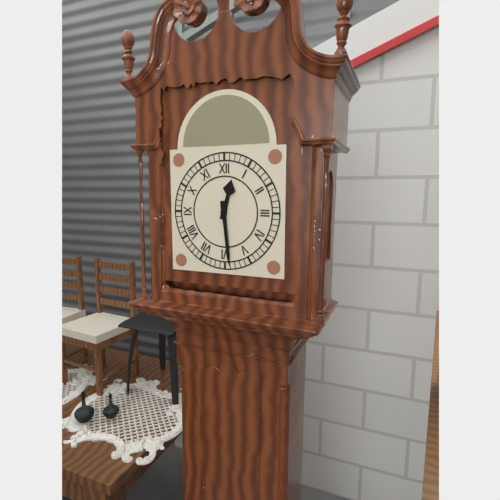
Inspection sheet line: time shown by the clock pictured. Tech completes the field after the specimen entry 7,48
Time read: 12,29
